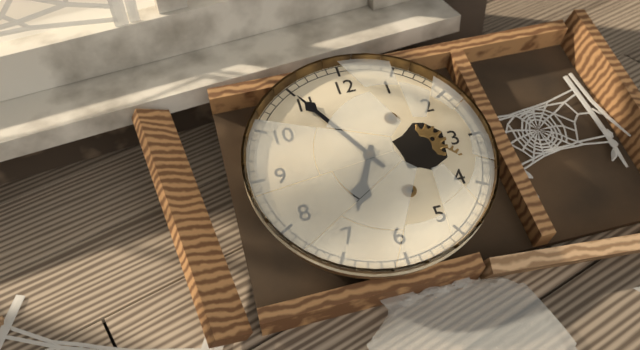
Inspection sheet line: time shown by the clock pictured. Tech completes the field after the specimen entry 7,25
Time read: 6,55
